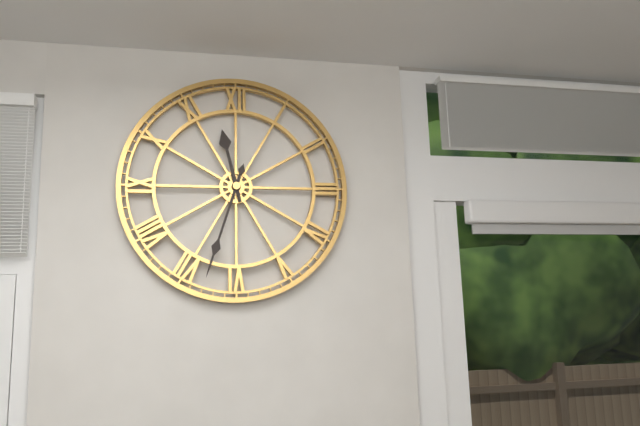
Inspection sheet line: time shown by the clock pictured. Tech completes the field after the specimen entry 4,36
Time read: 11,33
